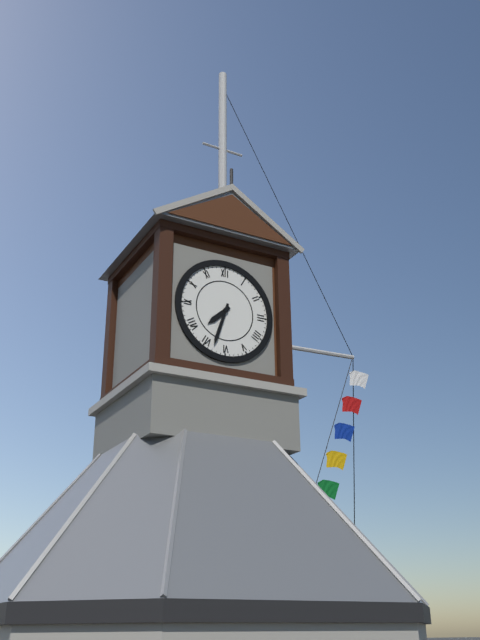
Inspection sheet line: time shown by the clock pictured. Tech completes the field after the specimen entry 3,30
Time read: 7,33
